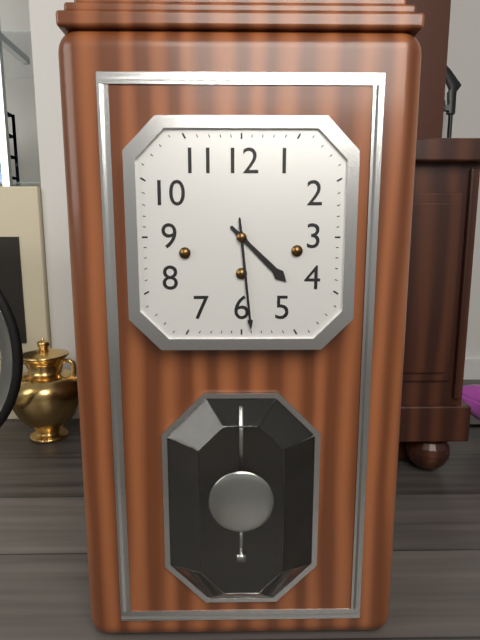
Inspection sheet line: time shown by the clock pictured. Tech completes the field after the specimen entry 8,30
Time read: 4,29
